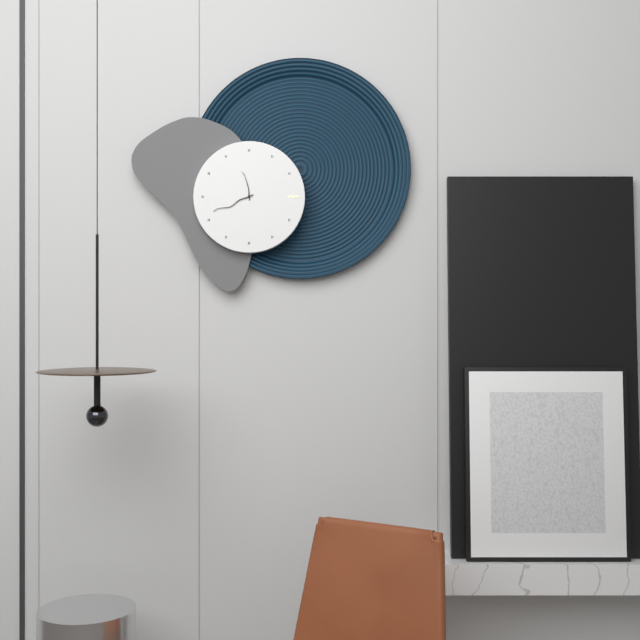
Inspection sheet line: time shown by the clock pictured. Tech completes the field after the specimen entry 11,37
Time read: 11,41
